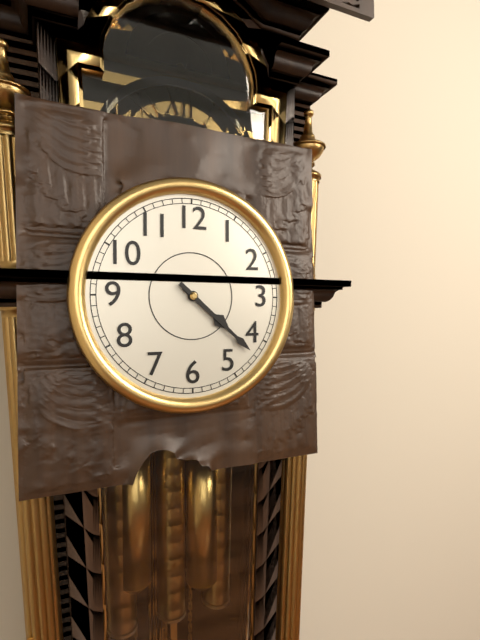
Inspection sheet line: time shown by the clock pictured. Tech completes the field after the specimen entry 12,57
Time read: 4,22
